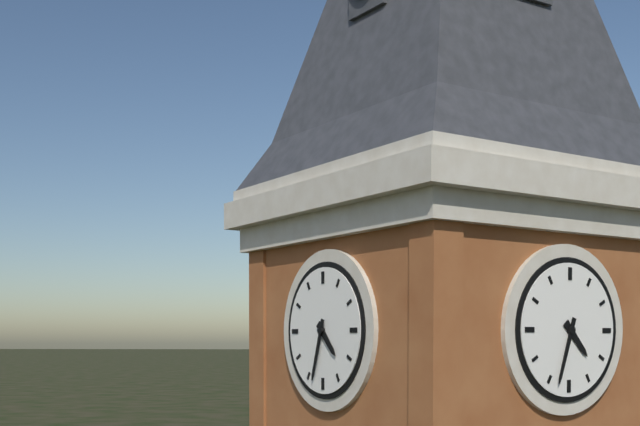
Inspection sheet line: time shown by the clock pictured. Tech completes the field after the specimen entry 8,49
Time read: 4,33
